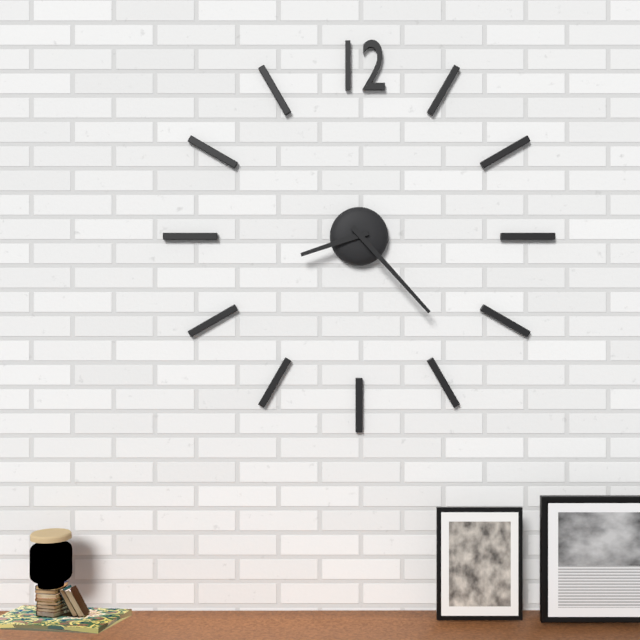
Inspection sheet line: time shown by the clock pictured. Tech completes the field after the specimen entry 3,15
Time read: 8,23
